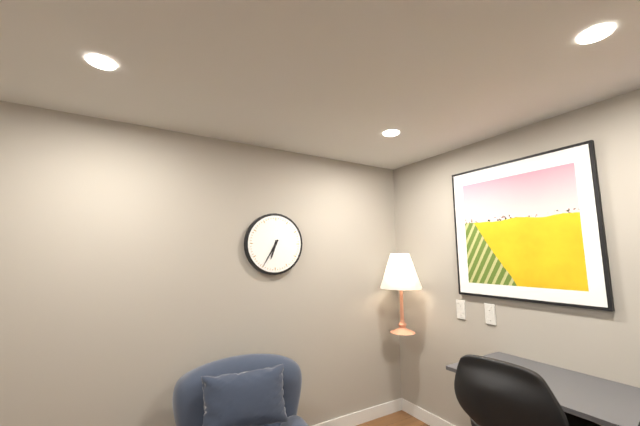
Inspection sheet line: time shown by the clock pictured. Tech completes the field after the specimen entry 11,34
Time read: 6,35
